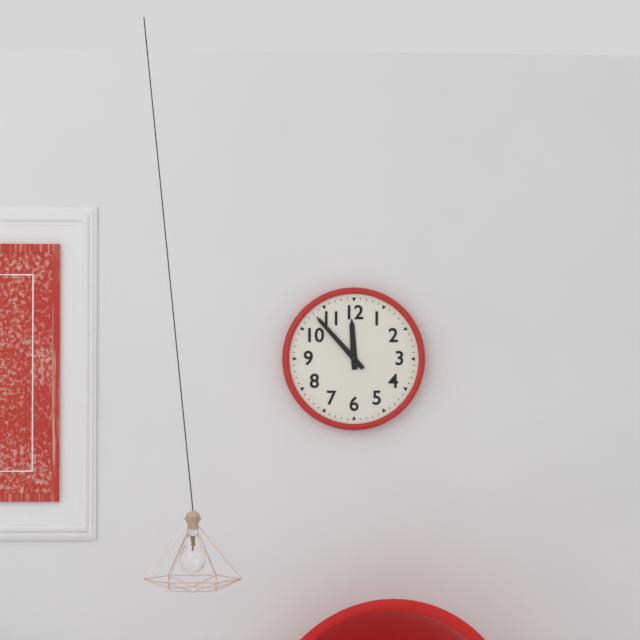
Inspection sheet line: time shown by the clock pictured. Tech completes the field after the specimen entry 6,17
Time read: 11,53
